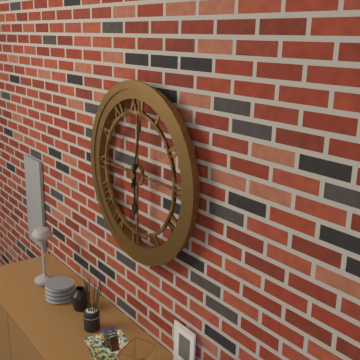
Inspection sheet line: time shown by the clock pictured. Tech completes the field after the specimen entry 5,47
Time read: 6,02
